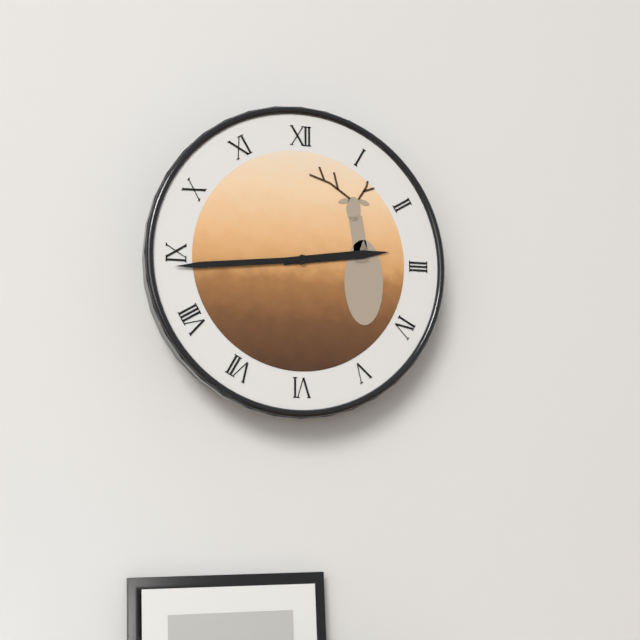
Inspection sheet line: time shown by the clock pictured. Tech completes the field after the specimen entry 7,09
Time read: 2,44
